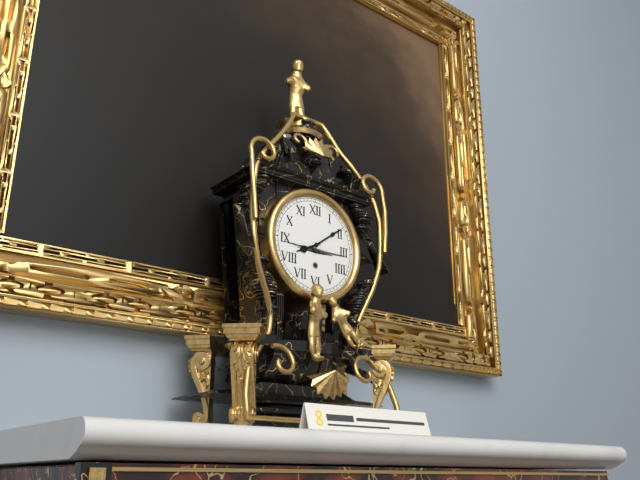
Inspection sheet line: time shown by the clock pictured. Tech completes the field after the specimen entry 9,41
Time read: 8,09
